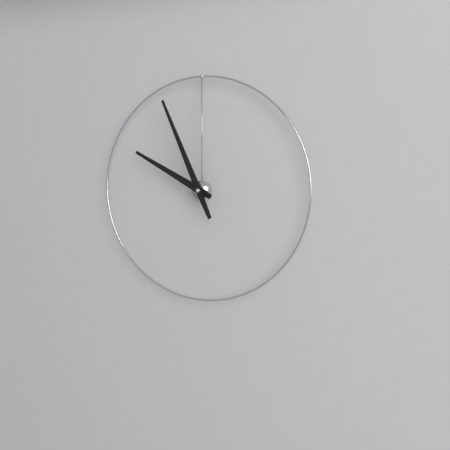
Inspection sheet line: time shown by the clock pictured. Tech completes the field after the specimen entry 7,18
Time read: 9,56
